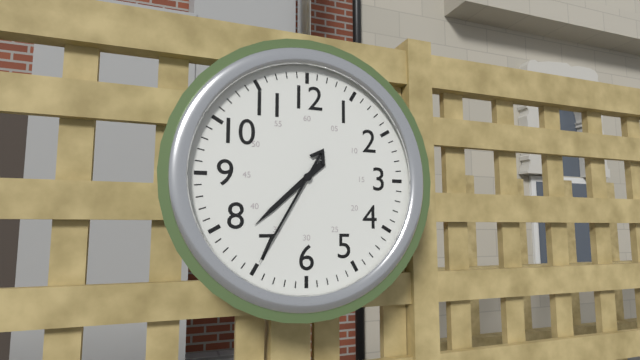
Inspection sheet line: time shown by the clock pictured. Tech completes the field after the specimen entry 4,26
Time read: 7,35
